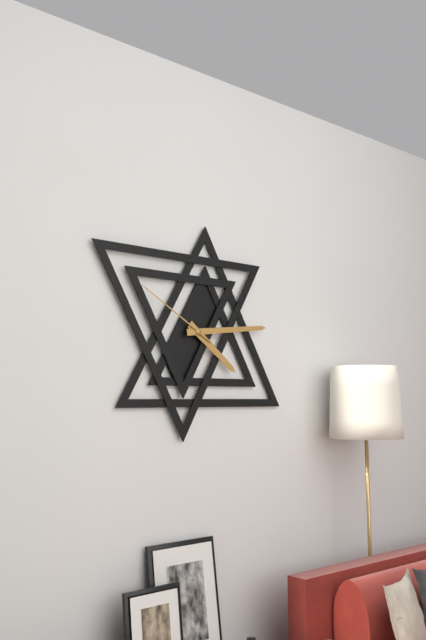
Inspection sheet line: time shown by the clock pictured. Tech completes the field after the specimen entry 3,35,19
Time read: 4,14,50
